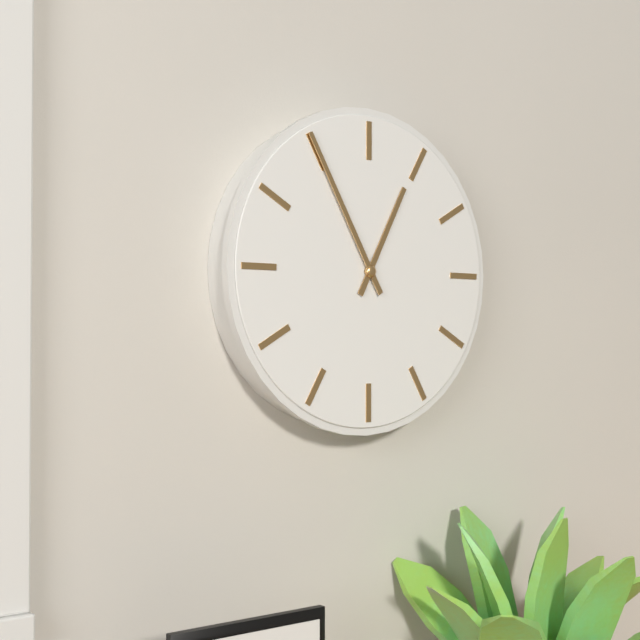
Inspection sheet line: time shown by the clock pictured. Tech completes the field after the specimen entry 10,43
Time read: 12,55
